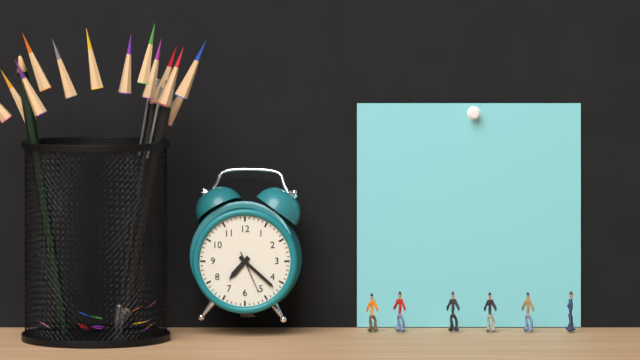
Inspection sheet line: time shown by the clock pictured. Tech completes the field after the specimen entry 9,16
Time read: 7,22
